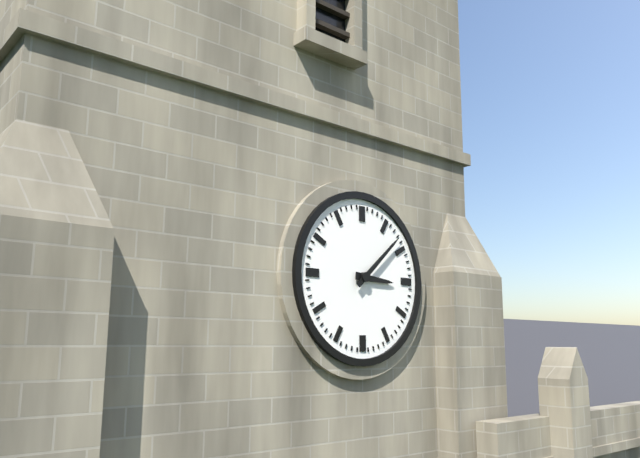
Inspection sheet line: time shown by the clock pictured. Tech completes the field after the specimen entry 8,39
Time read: 3,08
